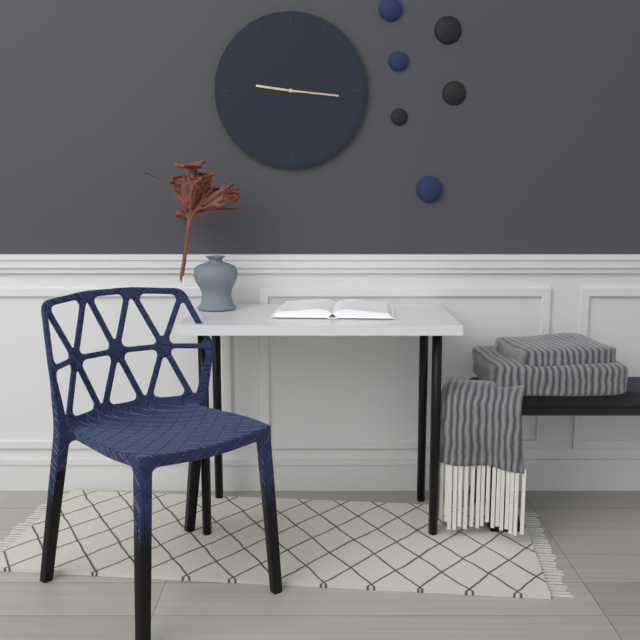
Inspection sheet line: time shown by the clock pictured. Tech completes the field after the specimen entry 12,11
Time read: 9,16
